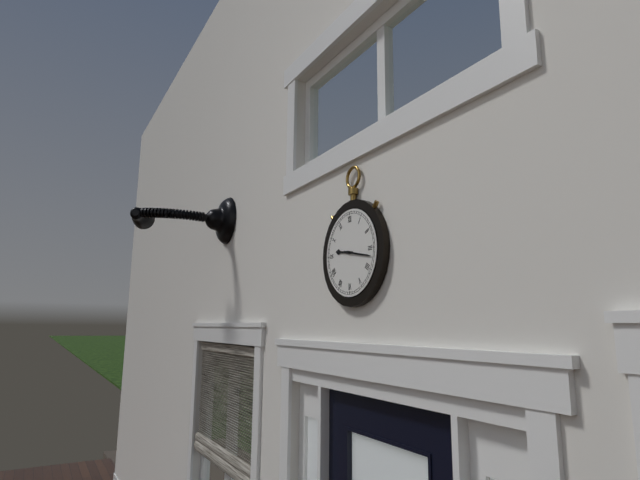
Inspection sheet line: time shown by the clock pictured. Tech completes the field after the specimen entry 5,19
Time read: 9,17
